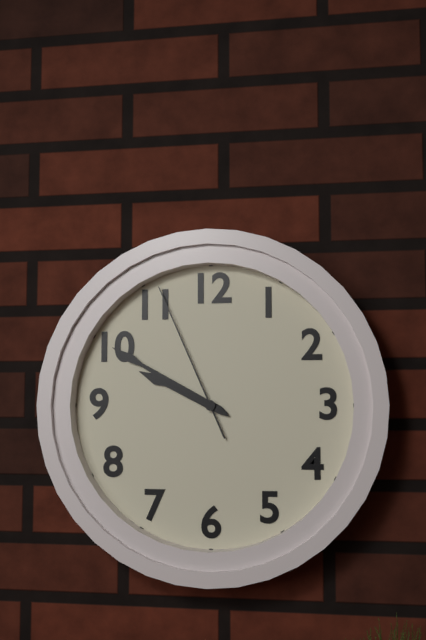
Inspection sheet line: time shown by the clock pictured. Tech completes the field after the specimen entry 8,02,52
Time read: 9,50,56
